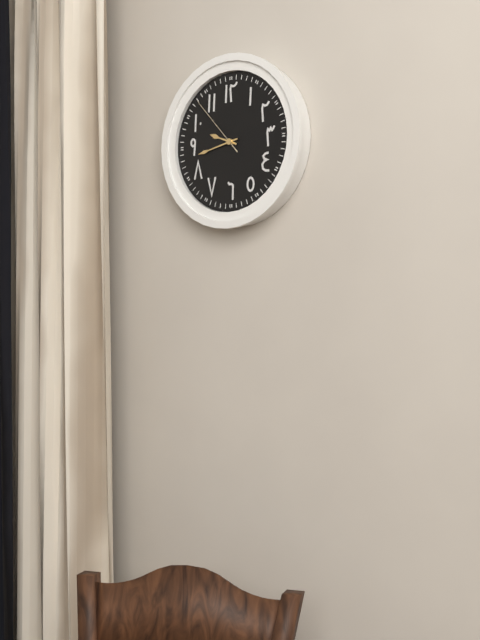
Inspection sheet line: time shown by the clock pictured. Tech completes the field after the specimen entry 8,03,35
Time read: 9,43,53
